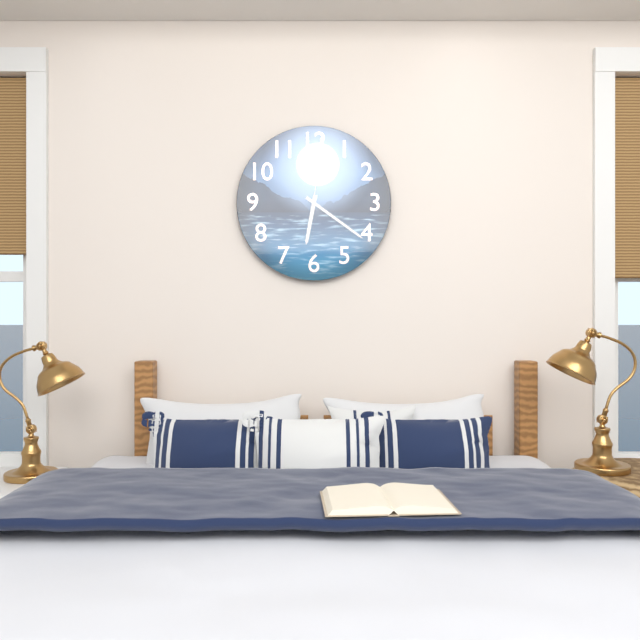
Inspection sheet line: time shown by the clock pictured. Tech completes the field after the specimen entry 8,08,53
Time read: 6,21,01
